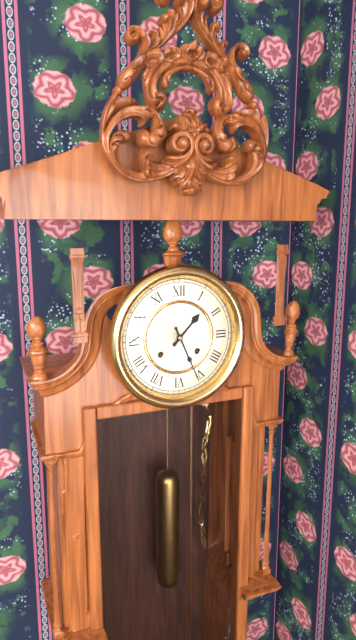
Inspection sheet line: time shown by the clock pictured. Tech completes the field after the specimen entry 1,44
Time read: 1,26
